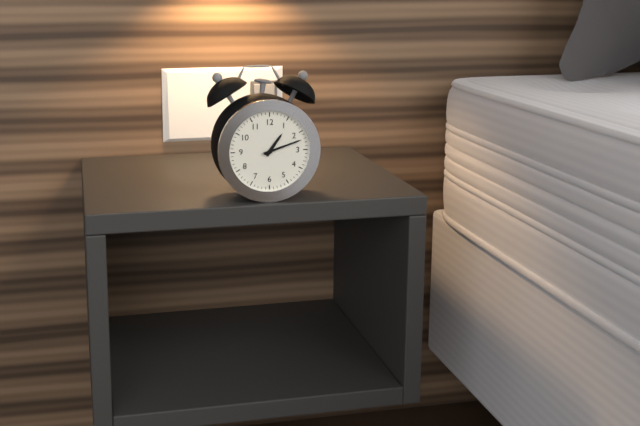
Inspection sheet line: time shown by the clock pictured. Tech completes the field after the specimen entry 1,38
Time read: 1,12
